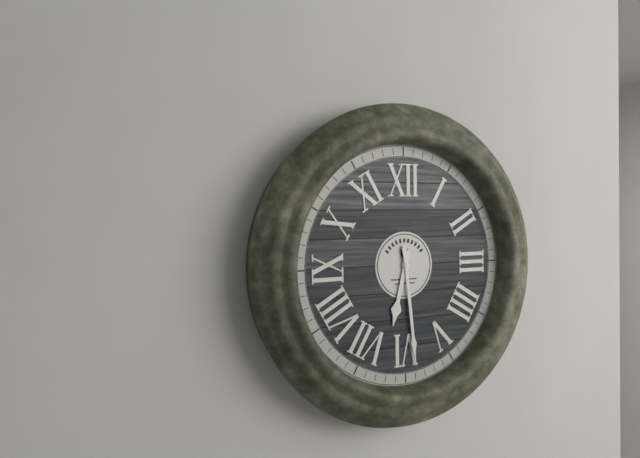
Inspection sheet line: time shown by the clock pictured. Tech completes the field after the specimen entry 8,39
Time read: 6,29
